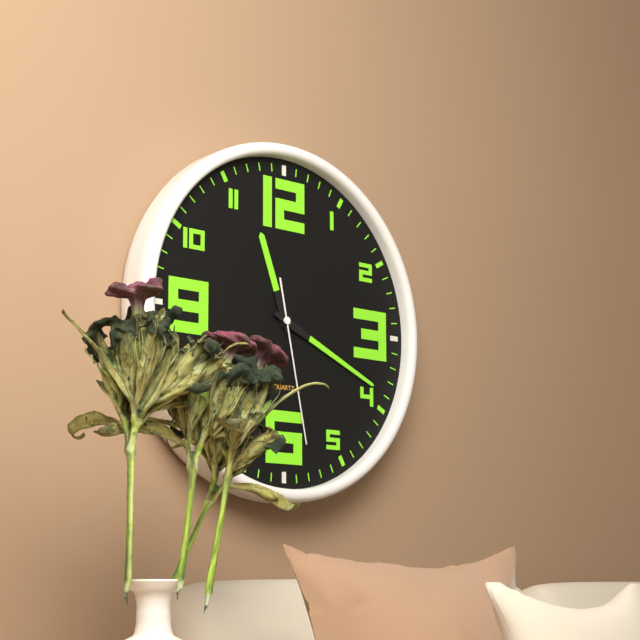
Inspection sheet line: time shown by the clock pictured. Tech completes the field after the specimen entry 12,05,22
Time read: 11,19,28
